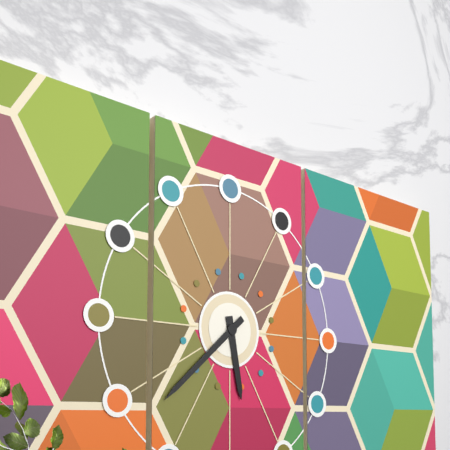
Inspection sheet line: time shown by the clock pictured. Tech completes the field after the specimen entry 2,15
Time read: 5,38
